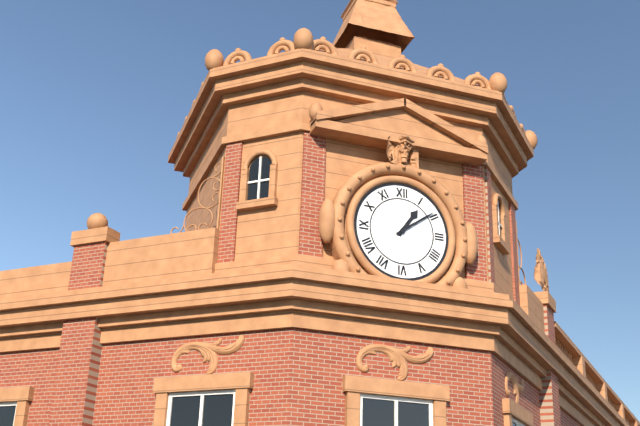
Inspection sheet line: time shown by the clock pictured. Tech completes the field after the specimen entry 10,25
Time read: 1,09
